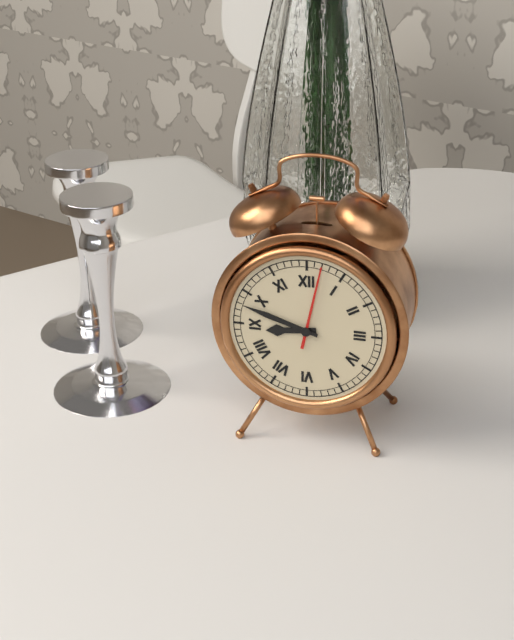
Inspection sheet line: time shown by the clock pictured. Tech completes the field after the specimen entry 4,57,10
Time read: 8,48,02
